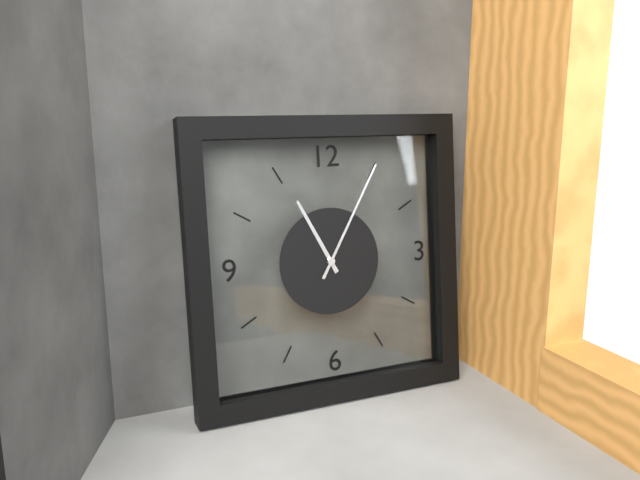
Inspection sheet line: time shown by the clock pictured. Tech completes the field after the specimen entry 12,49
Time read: 11,05
